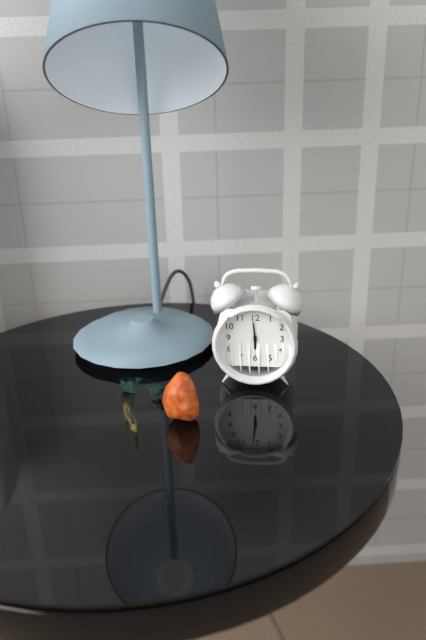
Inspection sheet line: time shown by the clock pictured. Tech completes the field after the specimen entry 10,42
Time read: 5,59
